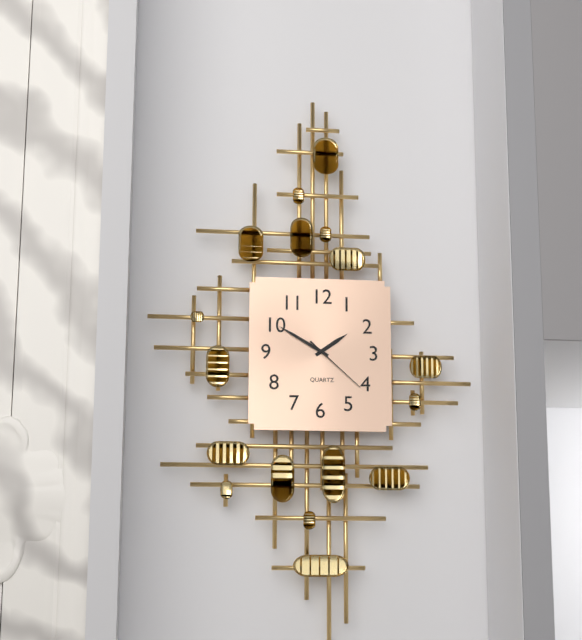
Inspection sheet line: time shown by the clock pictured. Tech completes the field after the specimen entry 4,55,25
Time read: 1,50,22
